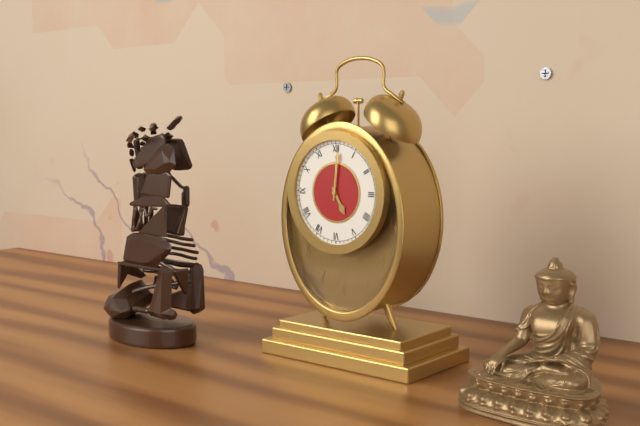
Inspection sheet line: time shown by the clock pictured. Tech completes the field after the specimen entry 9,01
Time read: 5,01
